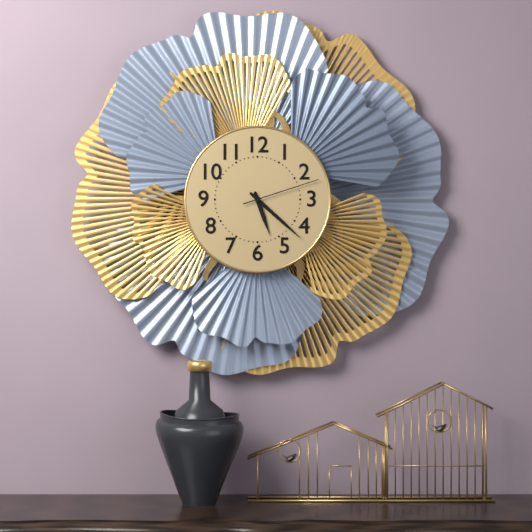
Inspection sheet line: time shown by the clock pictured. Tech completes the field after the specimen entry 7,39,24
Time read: 5,22,12
